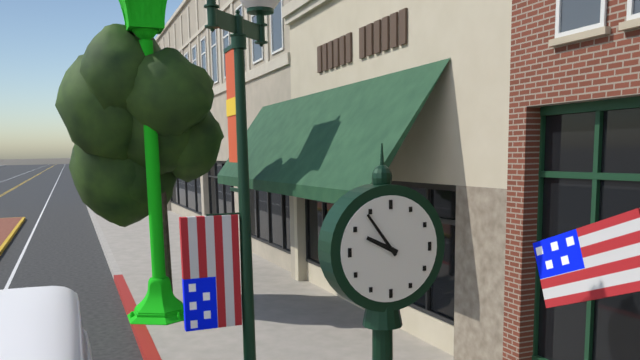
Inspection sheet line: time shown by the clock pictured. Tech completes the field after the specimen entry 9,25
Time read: 9,54
